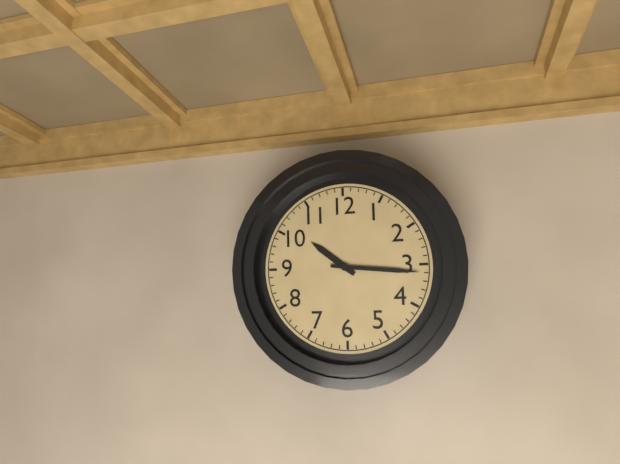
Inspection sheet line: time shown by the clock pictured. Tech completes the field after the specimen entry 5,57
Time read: 10,16
